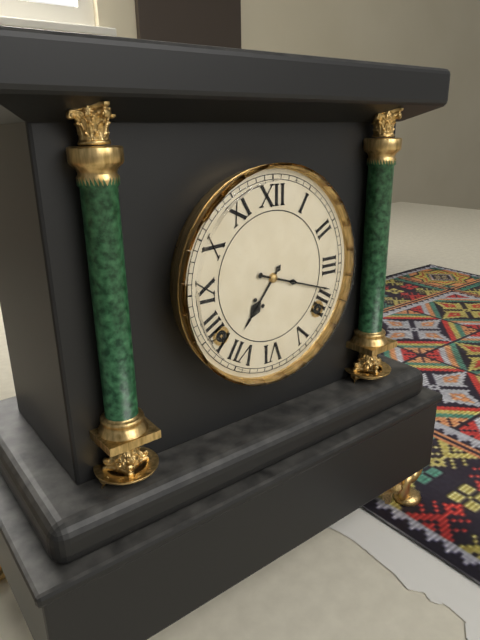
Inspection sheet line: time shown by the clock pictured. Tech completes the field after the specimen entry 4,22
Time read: 7,18
